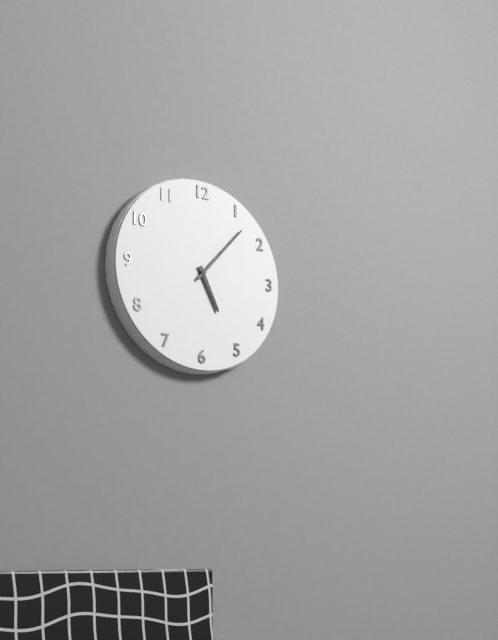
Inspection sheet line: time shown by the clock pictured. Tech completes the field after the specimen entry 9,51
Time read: 5,07
